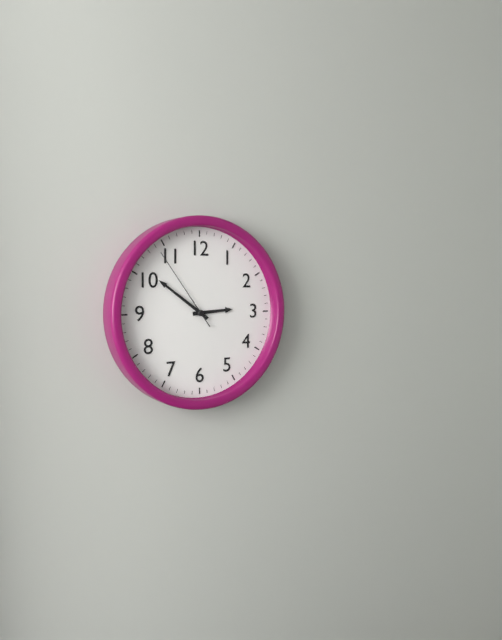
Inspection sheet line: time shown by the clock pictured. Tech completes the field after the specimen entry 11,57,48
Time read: 2,51,54
